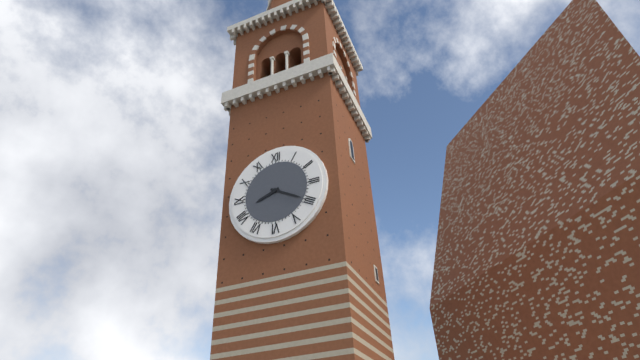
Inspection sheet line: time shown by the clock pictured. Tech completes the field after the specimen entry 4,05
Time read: 8,20
